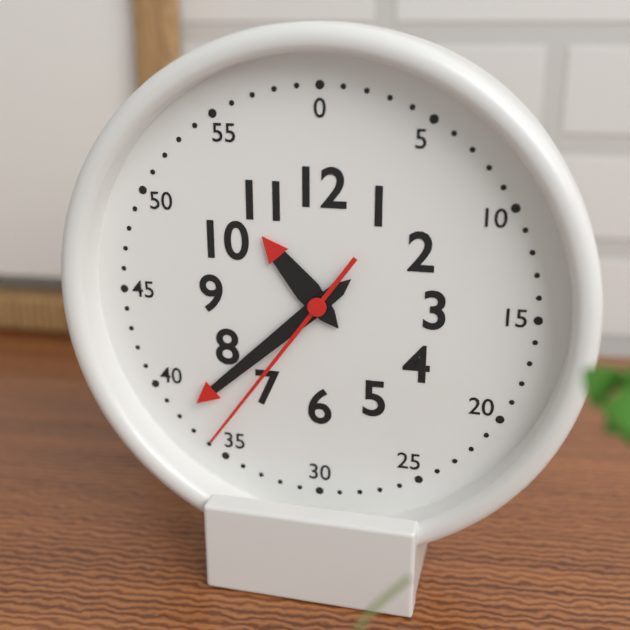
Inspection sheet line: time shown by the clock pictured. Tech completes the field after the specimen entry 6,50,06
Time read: 10,38,36
